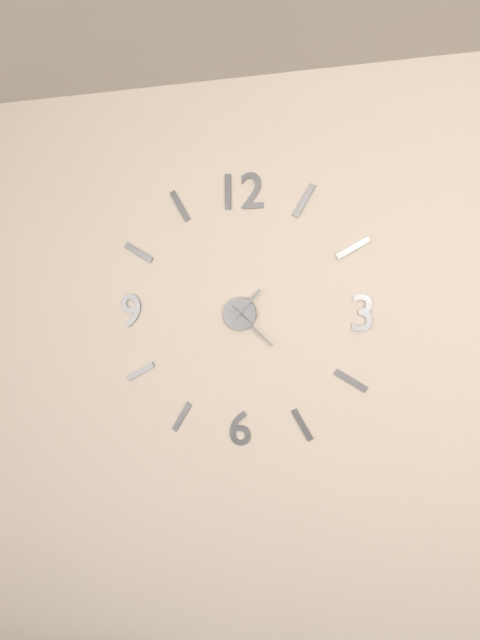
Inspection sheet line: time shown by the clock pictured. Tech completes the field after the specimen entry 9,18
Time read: 1,22
